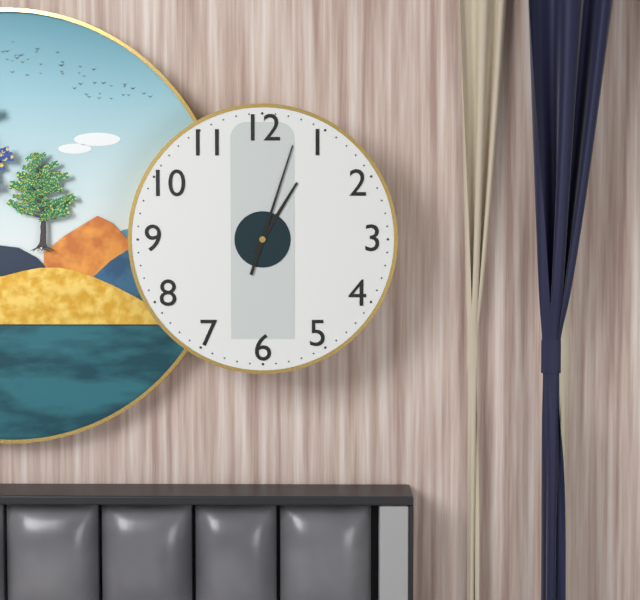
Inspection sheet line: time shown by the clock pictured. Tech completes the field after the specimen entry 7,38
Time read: 1,03
